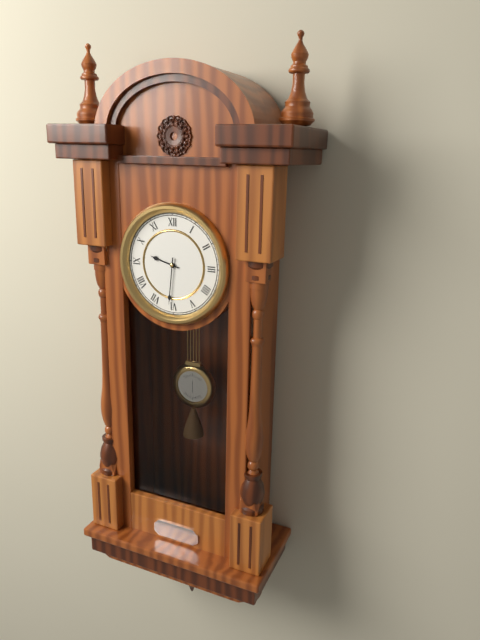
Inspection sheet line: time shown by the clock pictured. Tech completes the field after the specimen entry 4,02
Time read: 9,31
